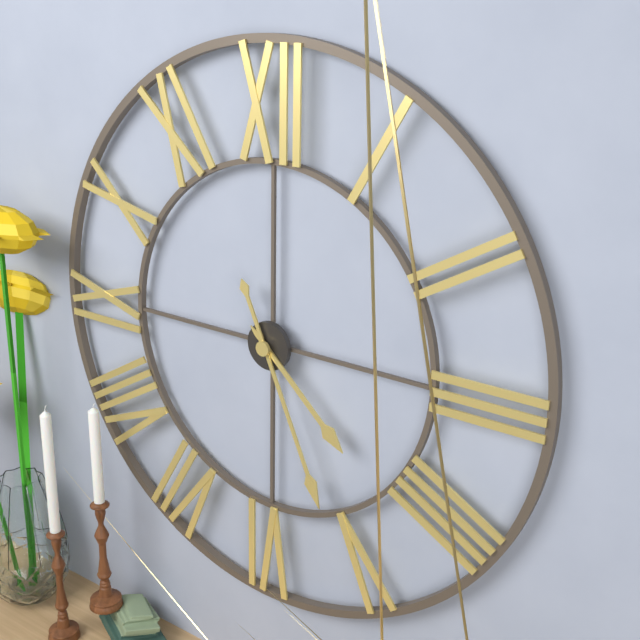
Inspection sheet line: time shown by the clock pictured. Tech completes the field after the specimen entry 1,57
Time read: 4,26
